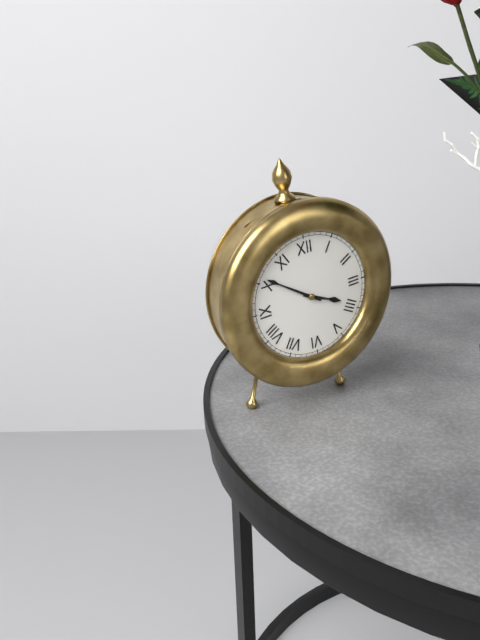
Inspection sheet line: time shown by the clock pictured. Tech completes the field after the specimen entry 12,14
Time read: 3,51
